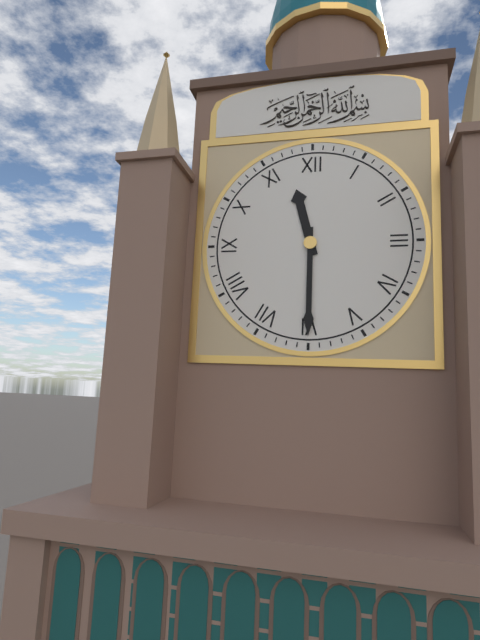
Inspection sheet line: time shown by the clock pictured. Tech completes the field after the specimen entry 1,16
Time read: 11,30
